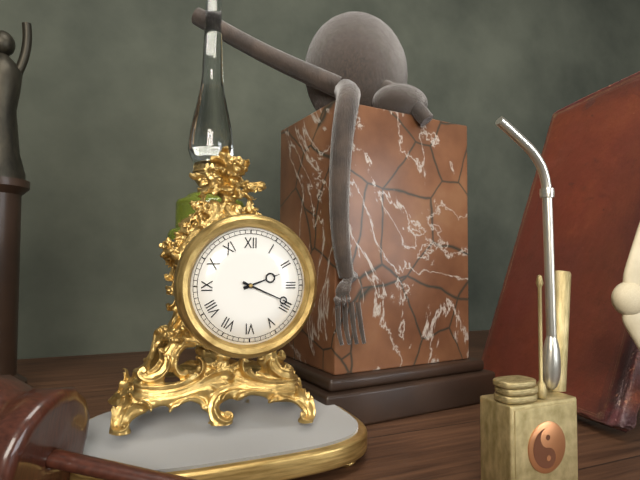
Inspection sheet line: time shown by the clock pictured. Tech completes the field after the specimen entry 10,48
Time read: 2,19
